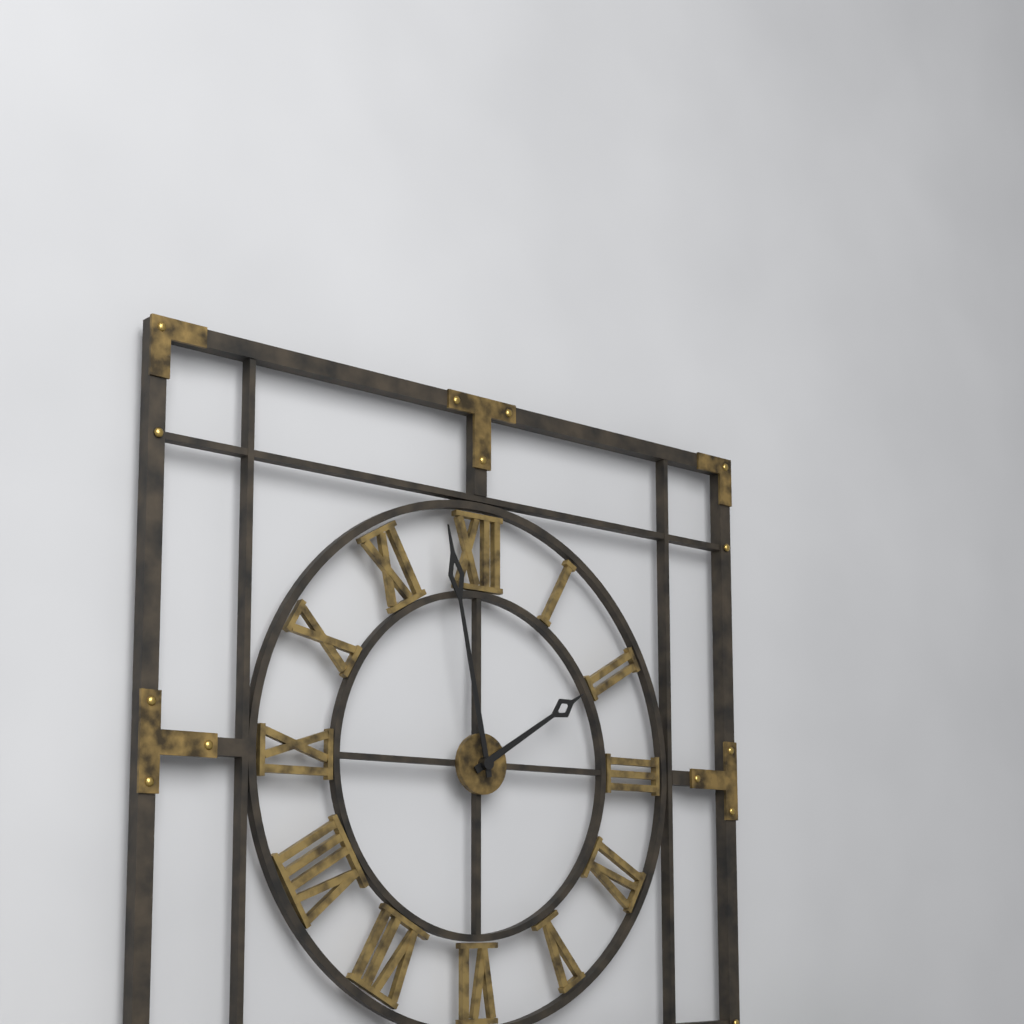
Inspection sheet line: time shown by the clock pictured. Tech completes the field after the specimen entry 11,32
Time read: 1,58
